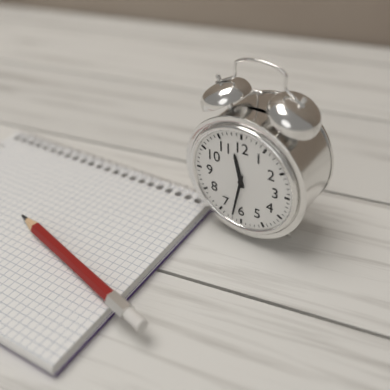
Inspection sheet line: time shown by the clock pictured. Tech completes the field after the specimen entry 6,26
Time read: 11,32
